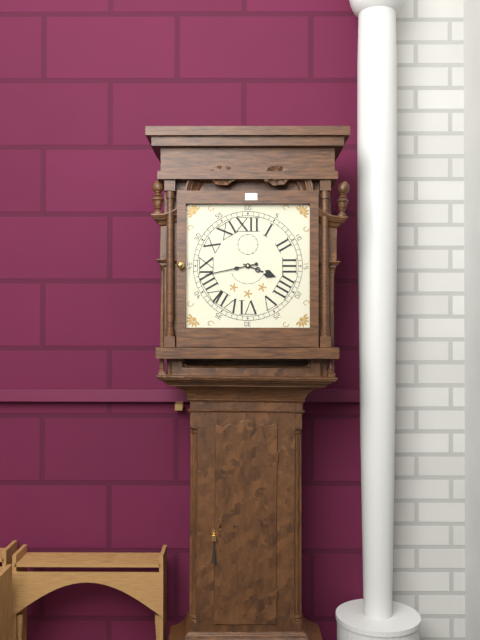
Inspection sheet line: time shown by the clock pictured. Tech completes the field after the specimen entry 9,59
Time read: 3,43
